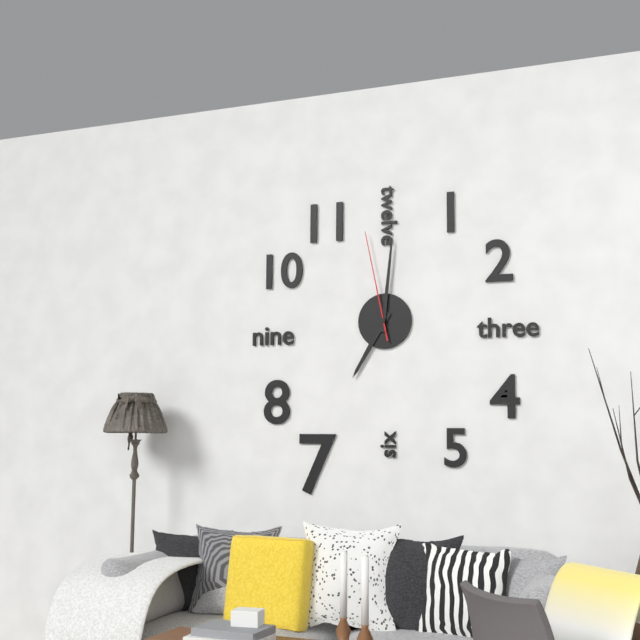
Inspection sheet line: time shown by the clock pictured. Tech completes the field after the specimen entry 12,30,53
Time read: 7,01,58
